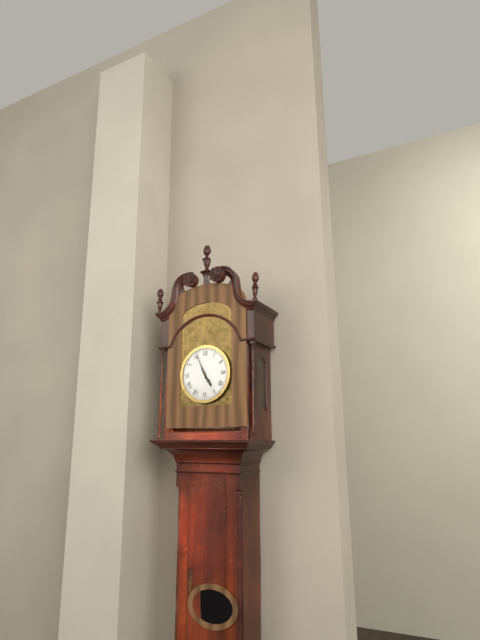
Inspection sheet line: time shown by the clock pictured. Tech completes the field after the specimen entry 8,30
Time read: 4,56
